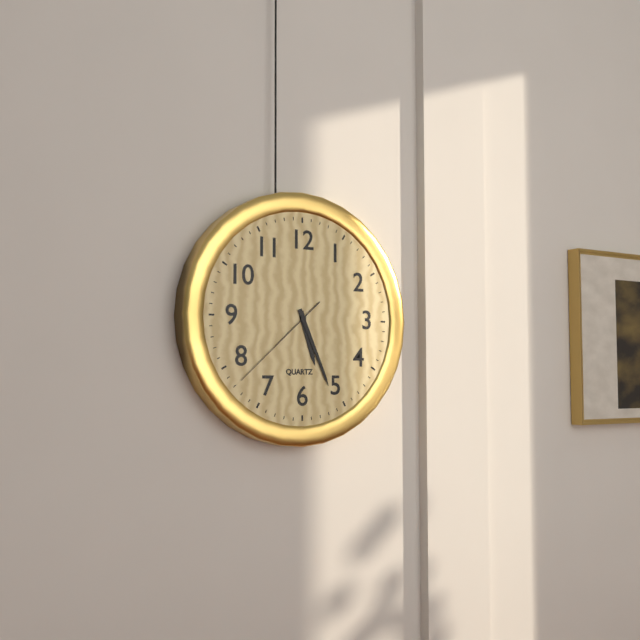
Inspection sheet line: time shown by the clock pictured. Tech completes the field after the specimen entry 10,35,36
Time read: 5,26,38
